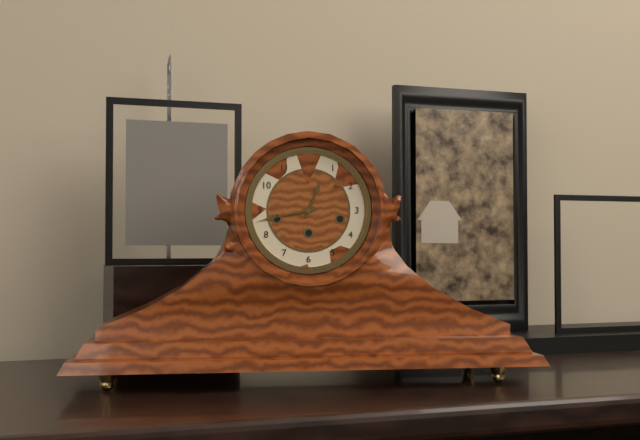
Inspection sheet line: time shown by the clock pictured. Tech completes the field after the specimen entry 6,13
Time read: 12,43
